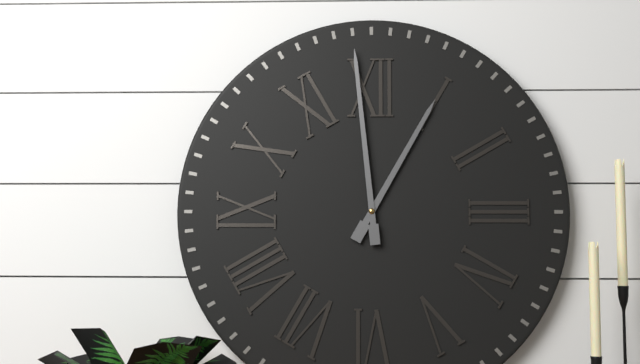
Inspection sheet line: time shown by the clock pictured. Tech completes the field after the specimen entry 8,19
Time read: 12,59
